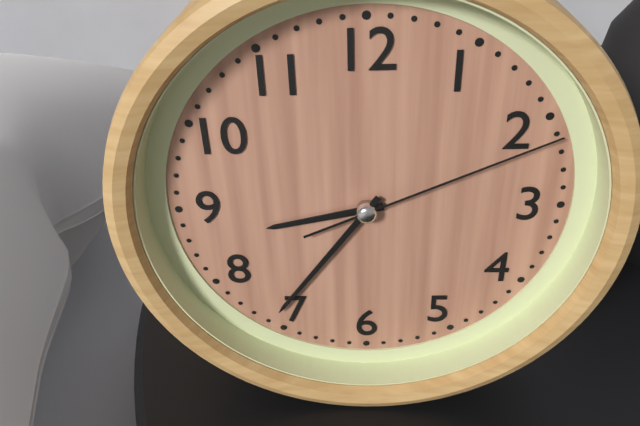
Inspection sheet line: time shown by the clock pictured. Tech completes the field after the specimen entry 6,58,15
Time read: 8,36,11
